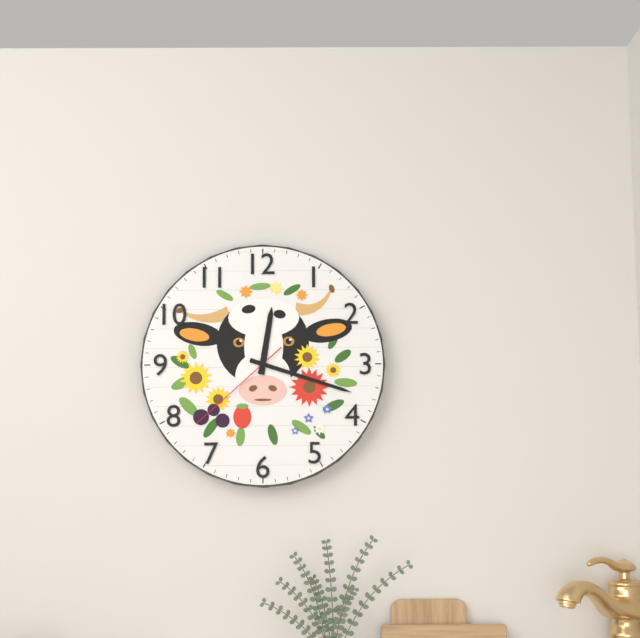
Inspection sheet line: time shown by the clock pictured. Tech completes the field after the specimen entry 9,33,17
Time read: 12,18,38
